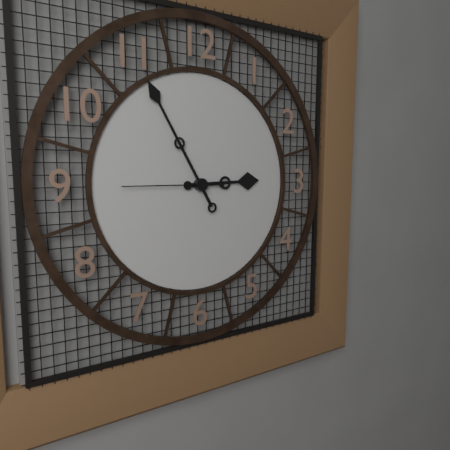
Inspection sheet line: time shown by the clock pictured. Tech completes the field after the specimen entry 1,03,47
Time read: 2,55,45
